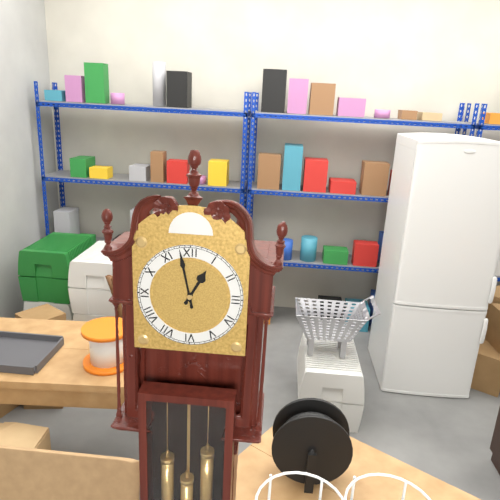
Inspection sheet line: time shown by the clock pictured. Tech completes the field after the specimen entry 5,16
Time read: 12,58
